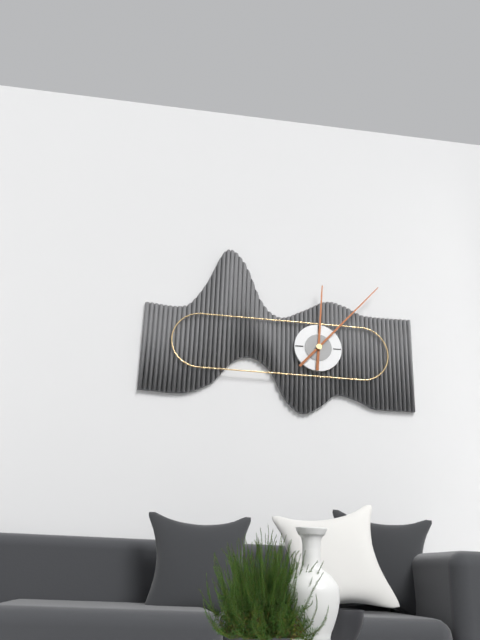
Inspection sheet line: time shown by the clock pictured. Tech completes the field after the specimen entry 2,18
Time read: 12,07
